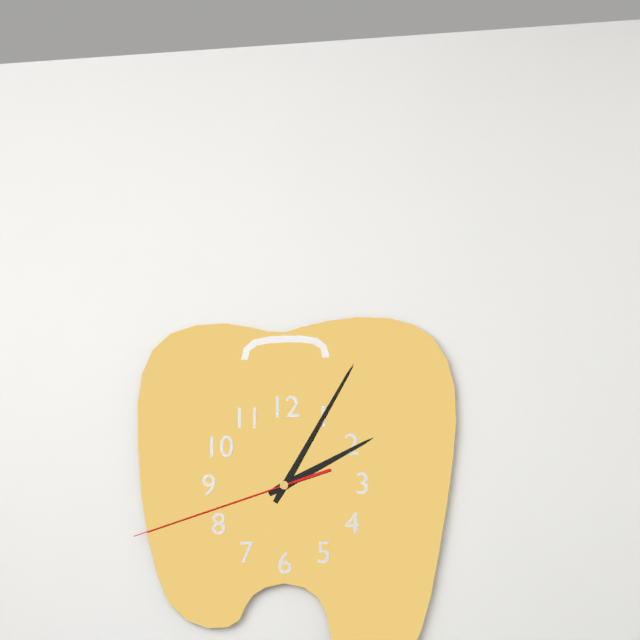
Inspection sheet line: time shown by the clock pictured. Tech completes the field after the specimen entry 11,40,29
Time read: 2,05,42
